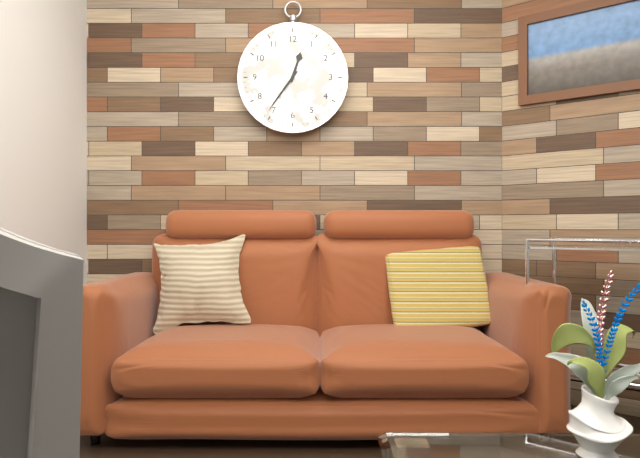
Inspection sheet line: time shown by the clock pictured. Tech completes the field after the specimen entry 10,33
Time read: 12,36
